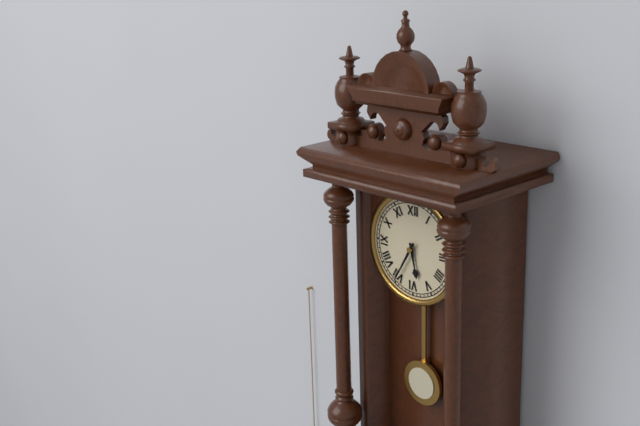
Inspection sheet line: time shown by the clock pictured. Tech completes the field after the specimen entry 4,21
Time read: 5,35
